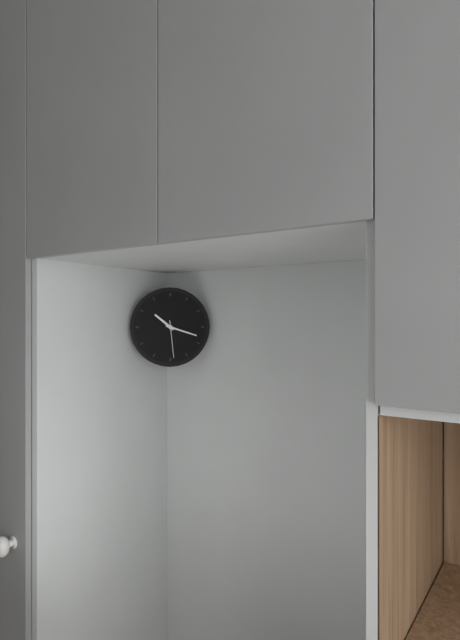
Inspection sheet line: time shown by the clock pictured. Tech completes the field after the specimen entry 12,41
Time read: 10,18
